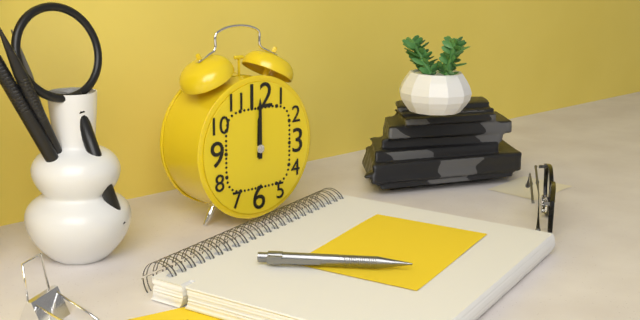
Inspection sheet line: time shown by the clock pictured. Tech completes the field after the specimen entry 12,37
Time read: 12,00
